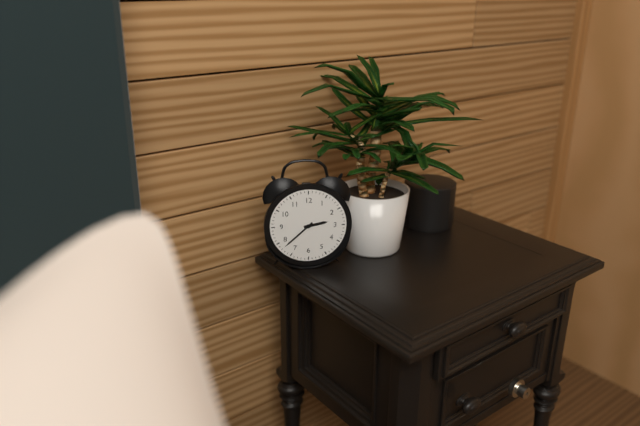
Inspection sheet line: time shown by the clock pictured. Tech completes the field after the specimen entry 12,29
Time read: 2,38
